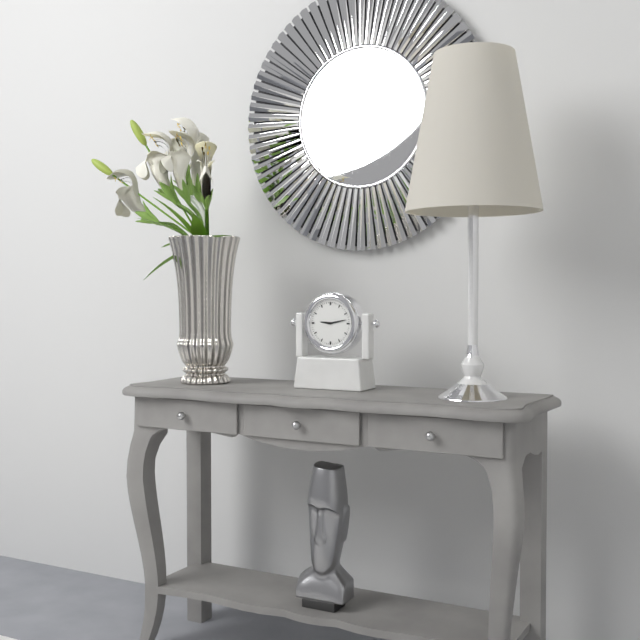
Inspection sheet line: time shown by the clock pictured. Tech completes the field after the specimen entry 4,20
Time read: 9,13
